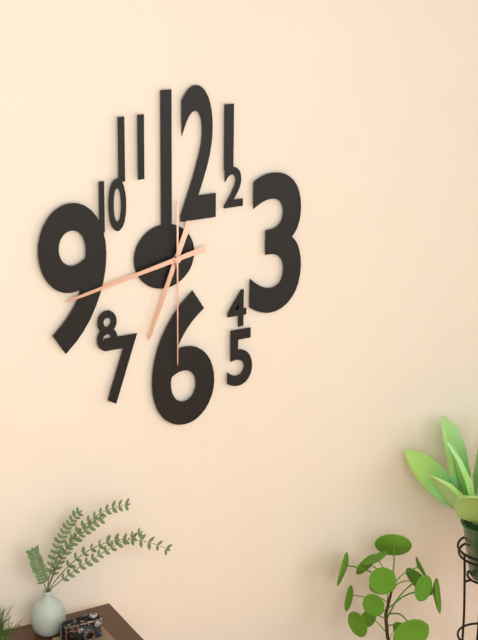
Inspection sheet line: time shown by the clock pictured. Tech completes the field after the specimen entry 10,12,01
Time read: 6,43,30
